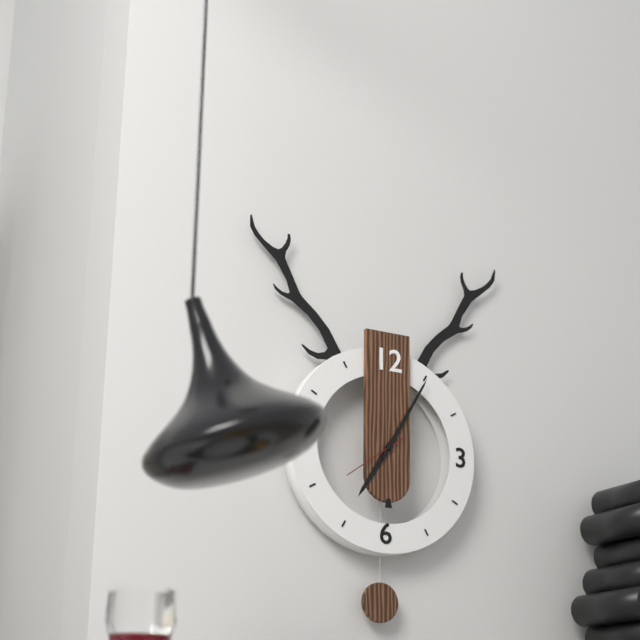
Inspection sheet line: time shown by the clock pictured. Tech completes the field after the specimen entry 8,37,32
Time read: 7,05,39
